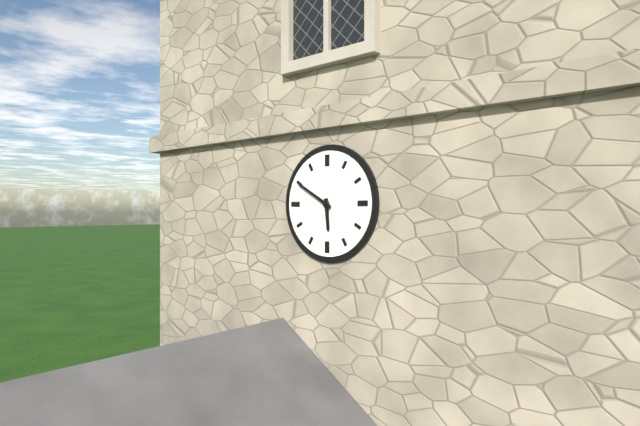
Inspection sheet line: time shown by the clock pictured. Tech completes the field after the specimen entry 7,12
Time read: 5,50
